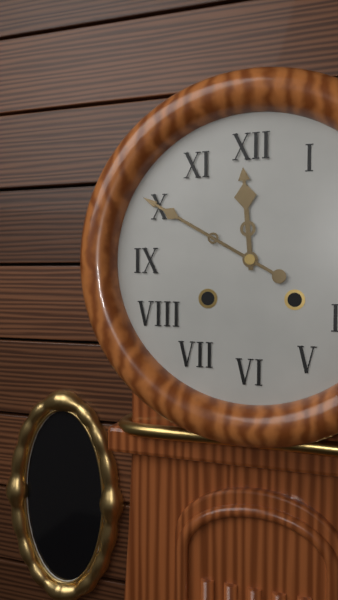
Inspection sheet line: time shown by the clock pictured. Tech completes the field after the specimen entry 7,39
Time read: 11,50
